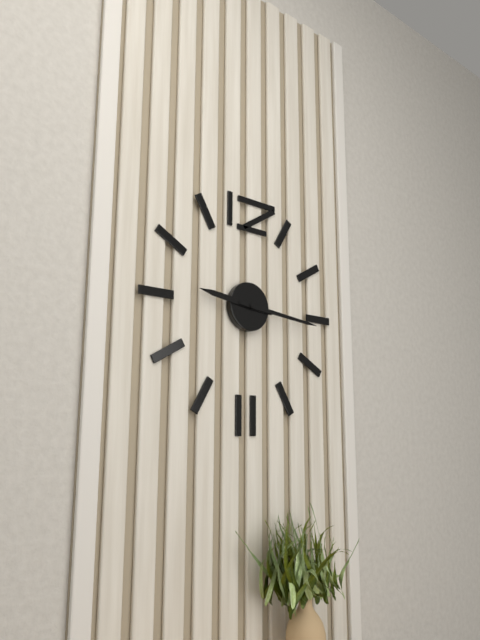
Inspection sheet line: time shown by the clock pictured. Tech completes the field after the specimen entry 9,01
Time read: 9,16
